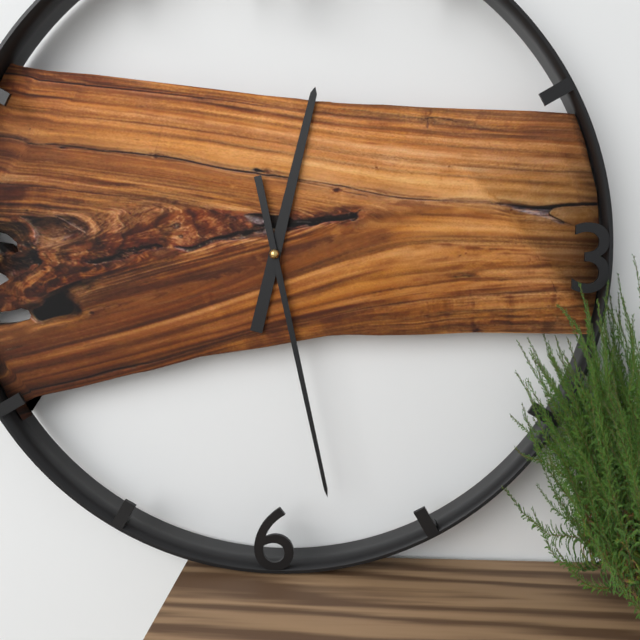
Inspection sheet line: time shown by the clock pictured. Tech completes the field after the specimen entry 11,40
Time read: 12,28
